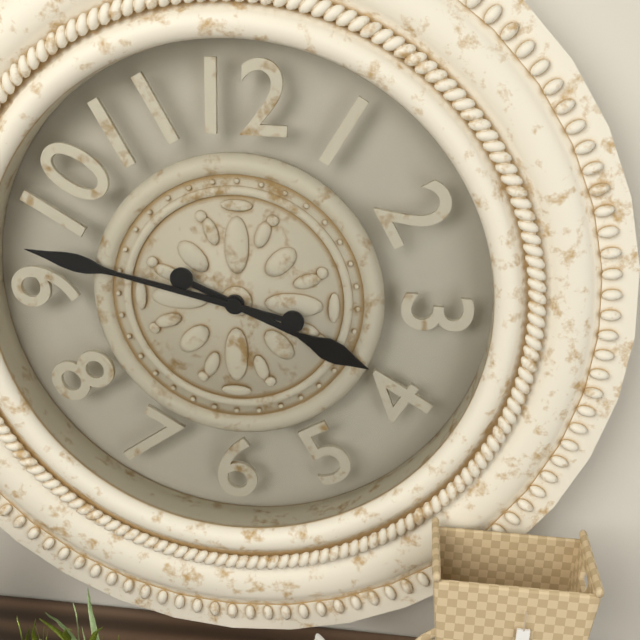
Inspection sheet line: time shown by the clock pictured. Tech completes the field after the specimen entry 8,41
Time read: 3,47
